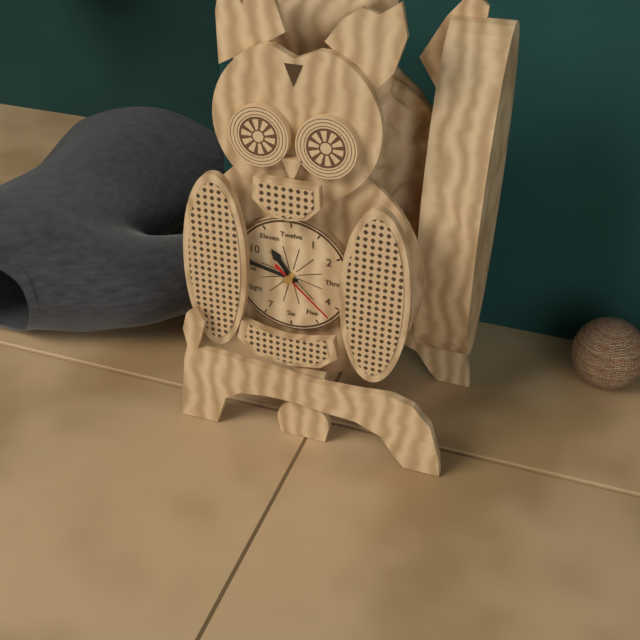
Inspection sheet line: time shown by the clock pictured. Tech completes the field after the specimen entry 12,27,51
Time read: 10,47,22
